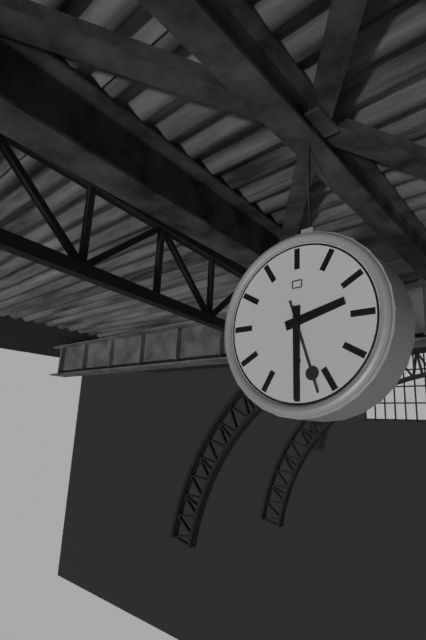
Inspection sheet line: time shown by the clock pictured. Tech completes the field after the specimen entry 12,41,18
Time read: 2,30,27
